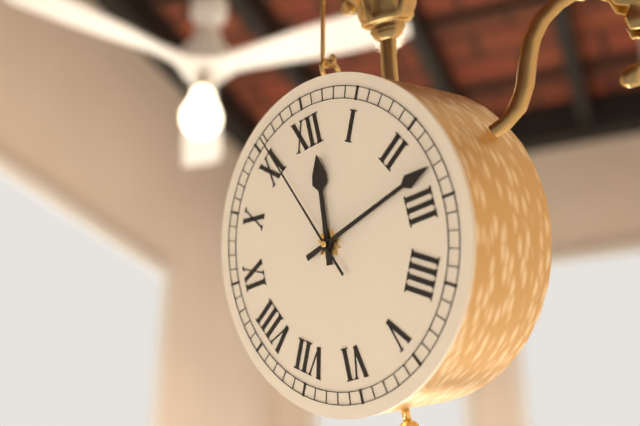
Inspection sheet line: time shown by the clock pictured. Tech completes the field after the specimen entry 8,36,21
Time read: 12,13,56
